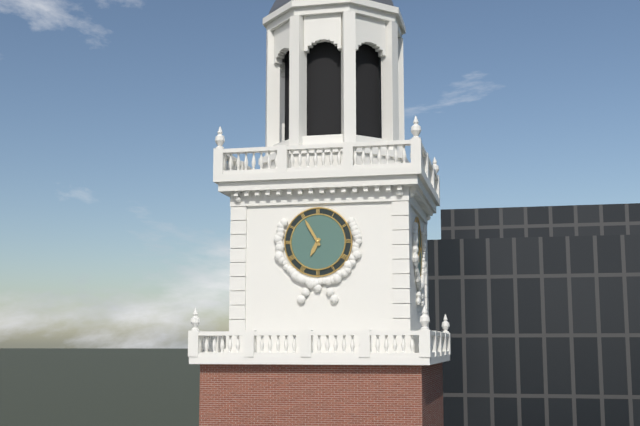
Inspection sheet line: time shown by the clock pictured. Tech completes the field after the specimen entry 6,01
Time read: 6,55
